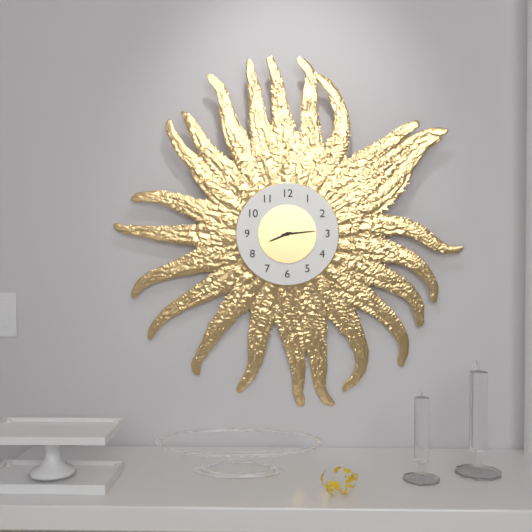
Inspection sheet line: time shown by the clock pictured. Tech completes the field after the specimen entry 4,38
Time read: 8,14
